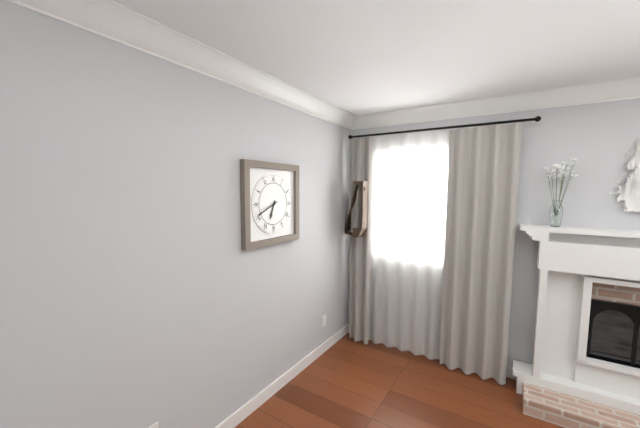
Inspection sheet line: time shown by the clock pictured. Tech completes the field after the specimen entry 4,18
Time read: 6,41
